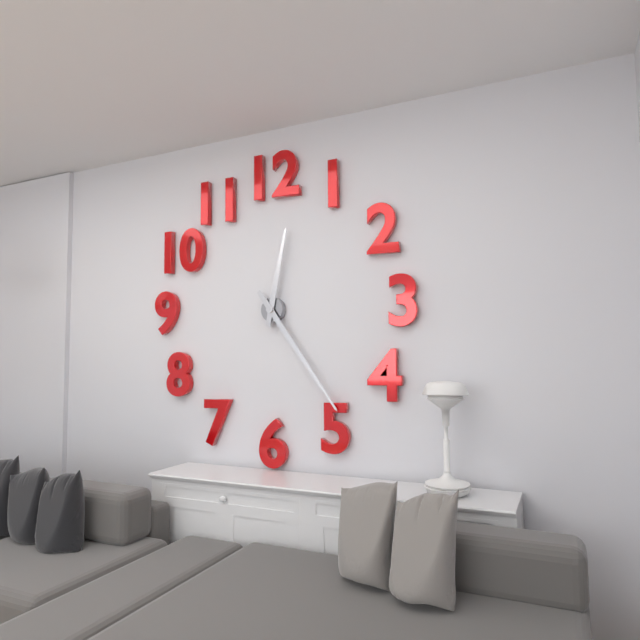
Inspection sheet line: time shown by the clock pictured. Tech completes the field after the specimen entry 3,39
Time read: 12,24
